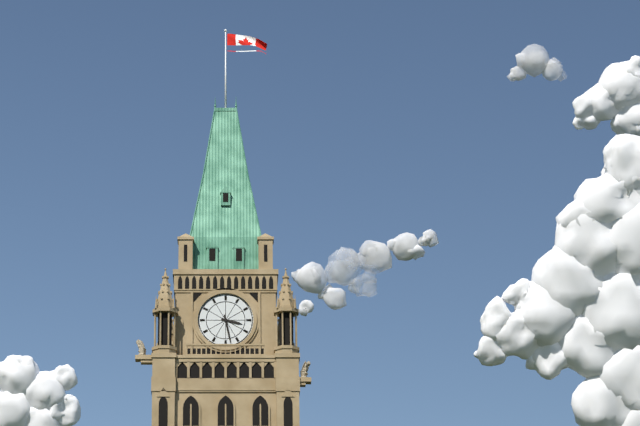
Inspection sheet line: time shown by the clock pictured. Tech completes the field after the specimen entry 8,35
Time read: 3,28
